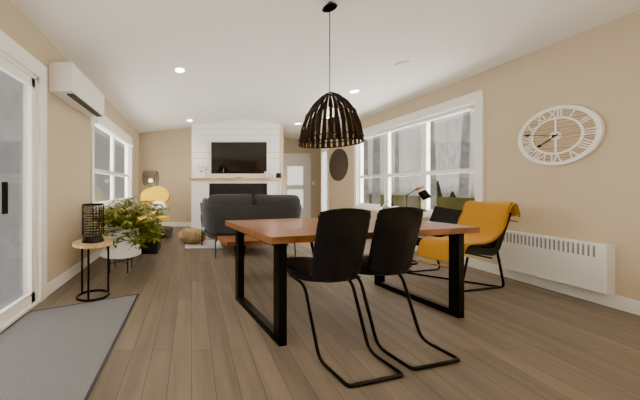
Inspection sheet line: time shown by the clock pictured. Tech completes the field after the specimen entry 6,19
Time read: 7,47
